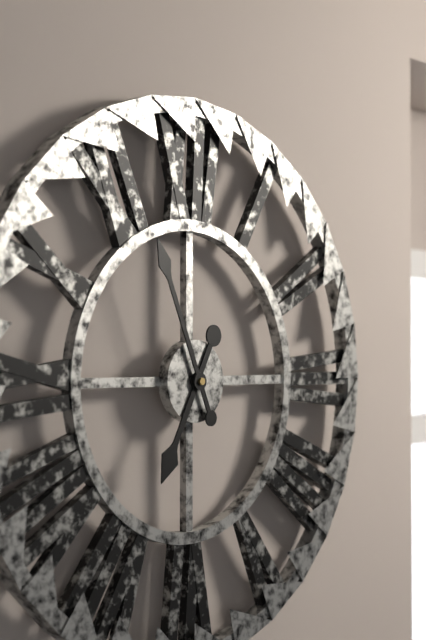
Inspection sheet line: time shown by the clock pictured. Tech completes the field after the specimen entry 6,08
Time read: 6,56
